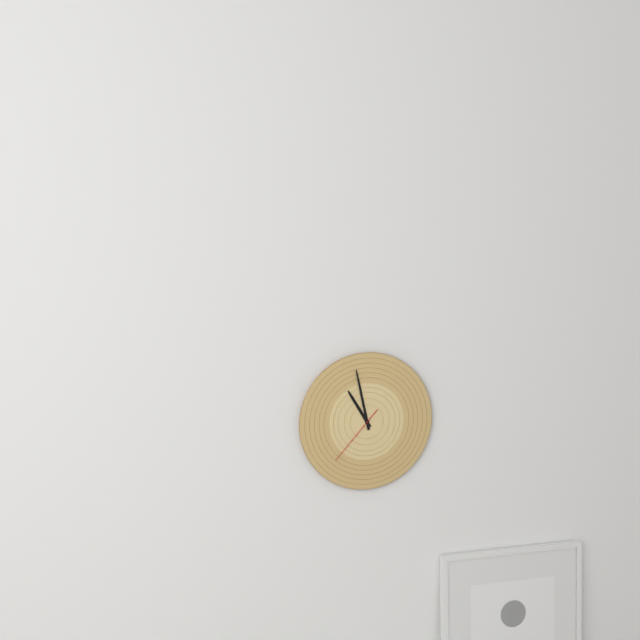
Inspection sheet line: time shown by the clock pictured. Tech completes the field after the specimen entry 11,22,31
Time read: 10,58,37
